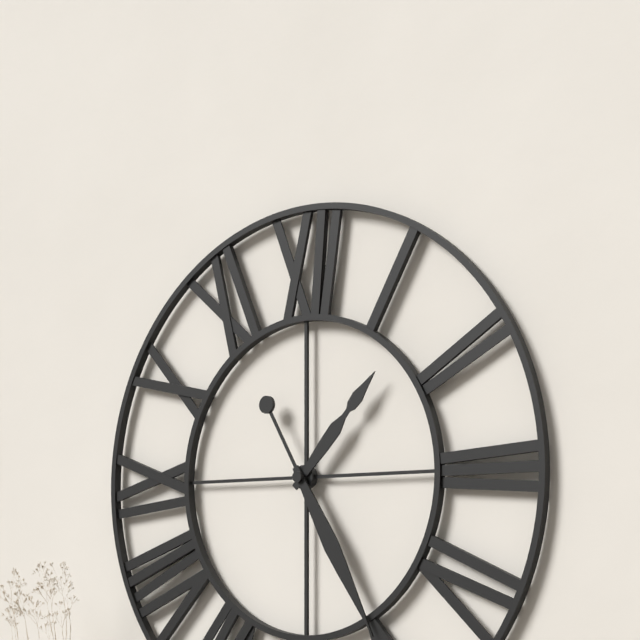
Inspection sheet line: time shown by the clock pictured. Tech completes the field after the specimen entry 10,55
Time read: 1,25
